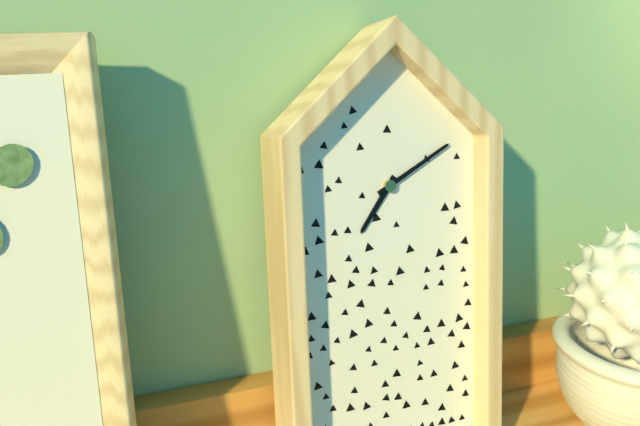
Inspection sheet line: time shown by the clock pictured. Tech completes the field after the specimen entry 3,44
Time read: 7,10
